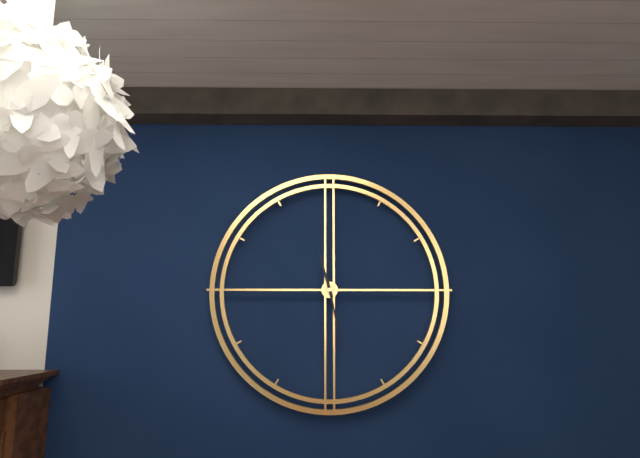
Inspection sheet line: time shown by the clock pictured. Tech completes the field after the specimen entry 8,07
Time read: 11,28
